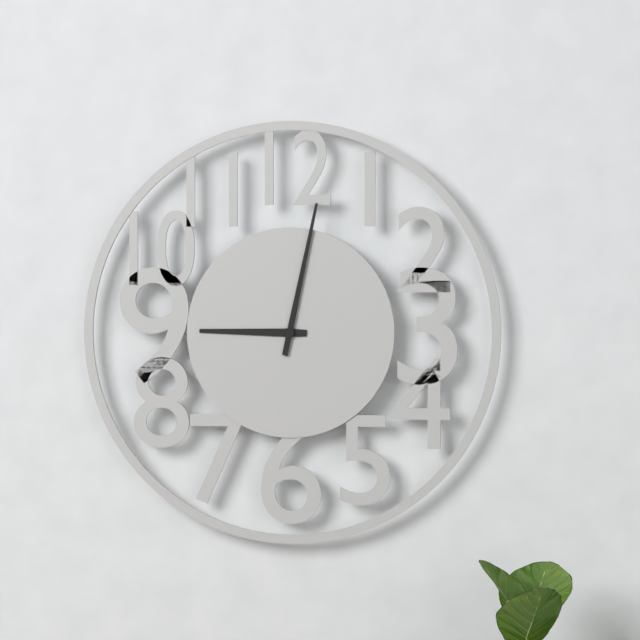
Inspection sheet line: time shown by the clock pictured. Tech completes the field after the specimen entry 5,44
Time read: 9,02
